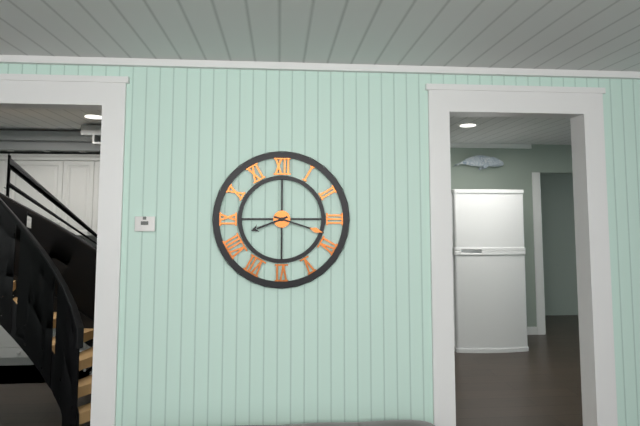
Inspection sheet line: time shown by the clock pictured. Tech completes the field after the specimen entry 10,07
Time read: 8,18
